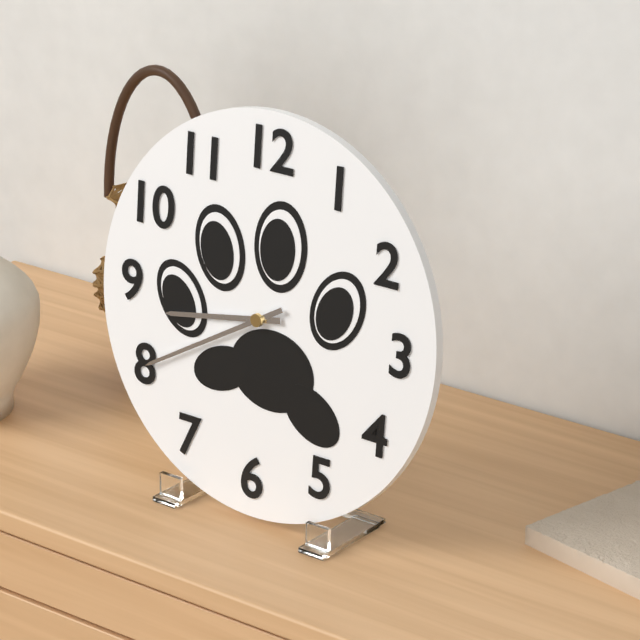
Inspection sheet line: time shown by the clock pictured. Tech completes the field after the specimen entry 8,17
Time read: 8,40
